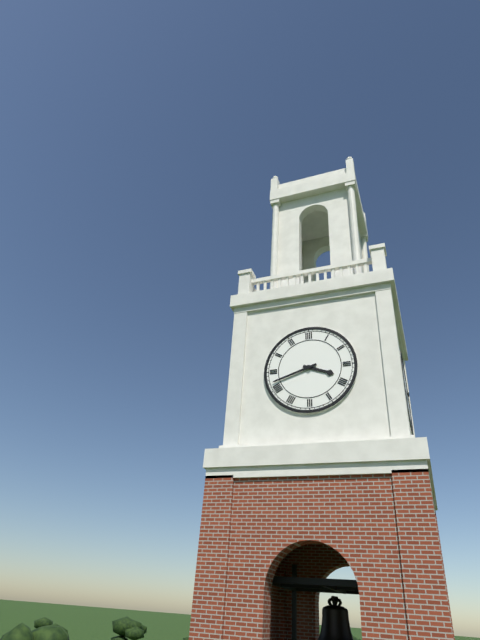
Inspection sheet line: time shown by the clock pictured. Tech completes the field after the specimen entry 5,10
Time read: 3,42
